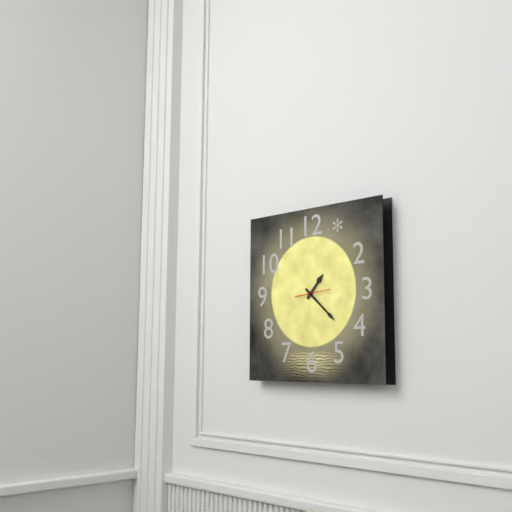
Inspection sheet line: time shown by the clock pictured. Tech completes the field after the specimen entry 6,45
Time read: 1,22
